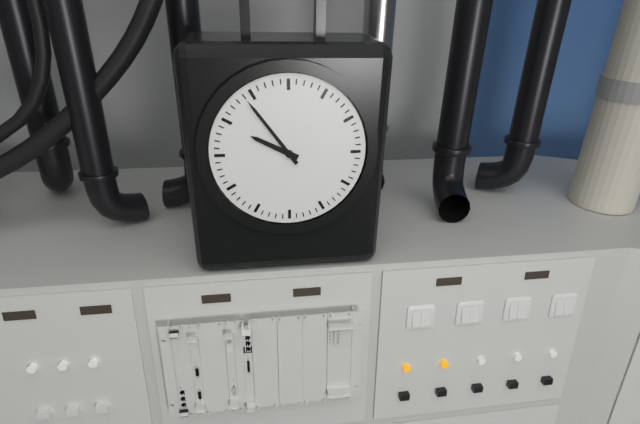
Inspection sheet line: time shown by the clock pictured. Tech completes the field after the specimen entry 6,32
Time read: 9,54
